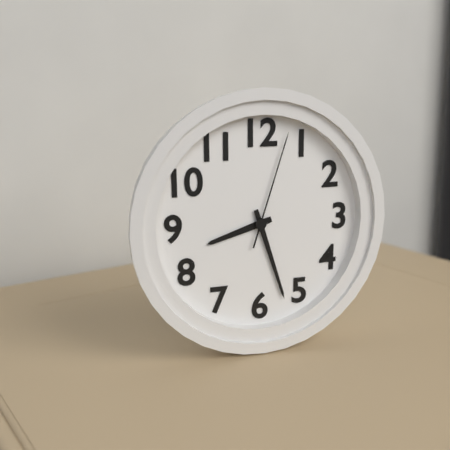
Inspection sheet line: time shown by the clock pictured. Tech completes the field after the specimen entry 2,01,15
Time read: 8,27,03
